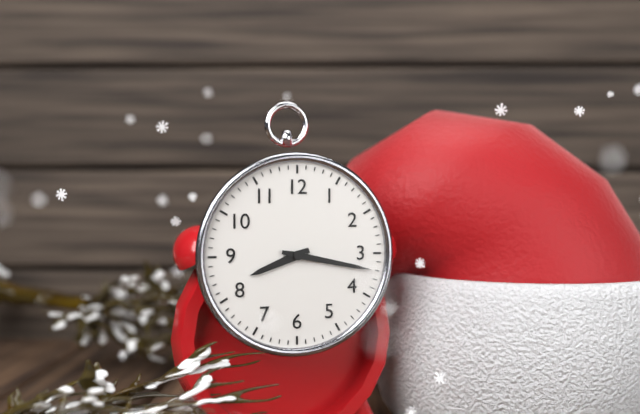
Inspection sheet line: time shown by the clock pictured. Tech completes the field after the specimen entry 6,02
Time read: 8,17
